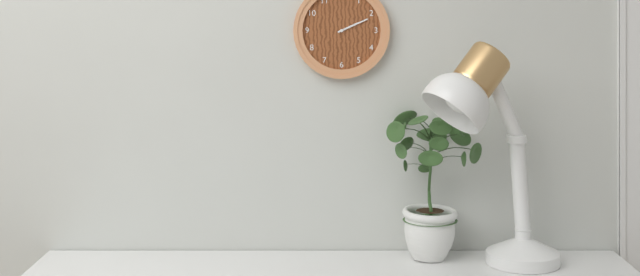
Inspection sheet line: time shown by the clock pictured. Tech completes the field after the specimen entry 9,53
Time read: 2,11
